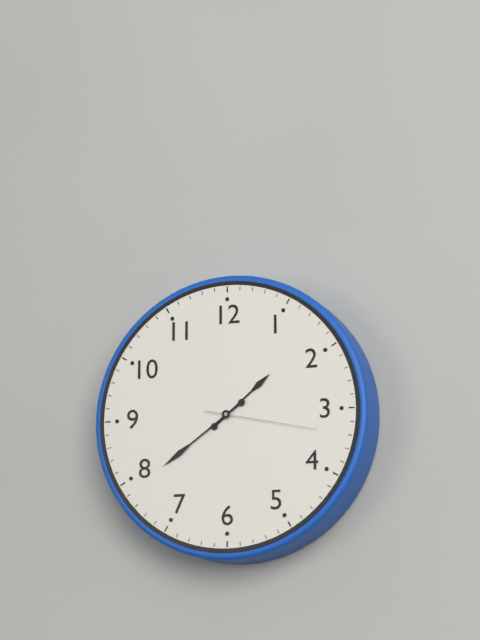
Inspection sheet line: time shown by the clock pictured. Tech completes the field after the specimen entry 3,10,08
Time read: 1,39,17
